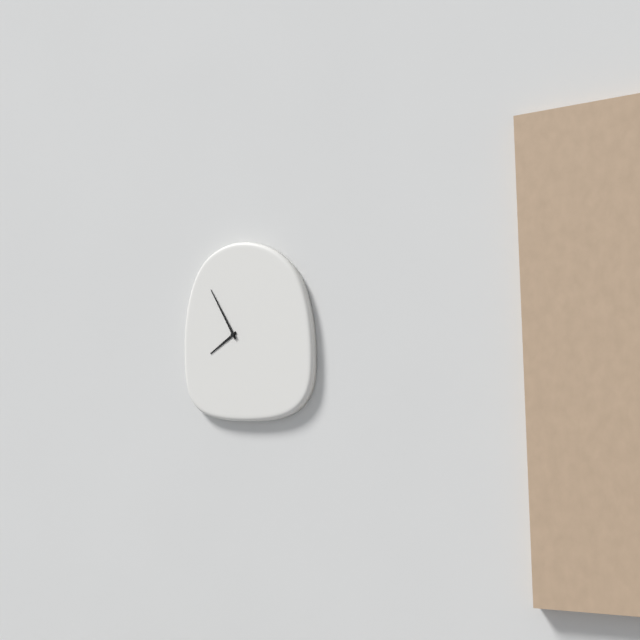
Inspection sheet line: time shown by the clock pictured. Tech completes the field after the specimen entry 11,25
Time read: 7,55
